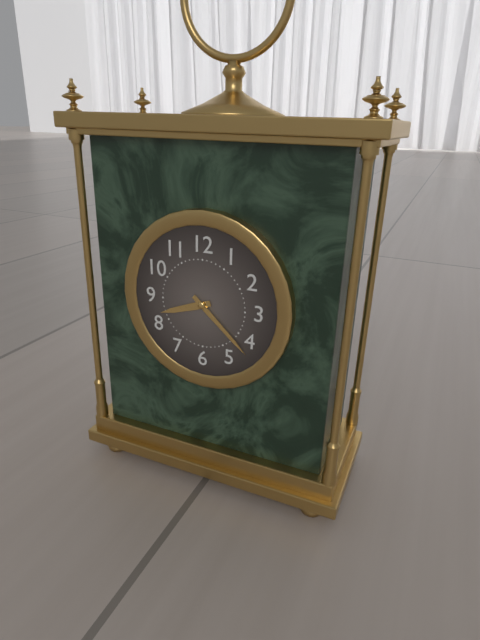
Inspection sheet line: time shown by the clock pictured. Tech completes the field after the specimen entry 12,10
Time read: 8,22
